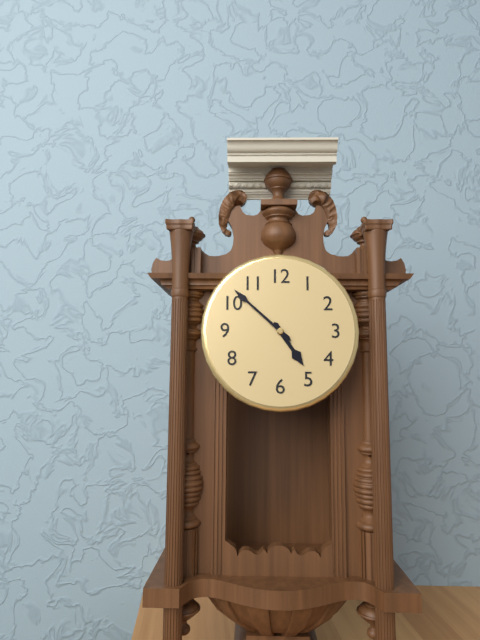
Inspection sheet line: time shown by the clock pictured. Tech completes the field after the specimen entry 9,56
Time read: 4,52
